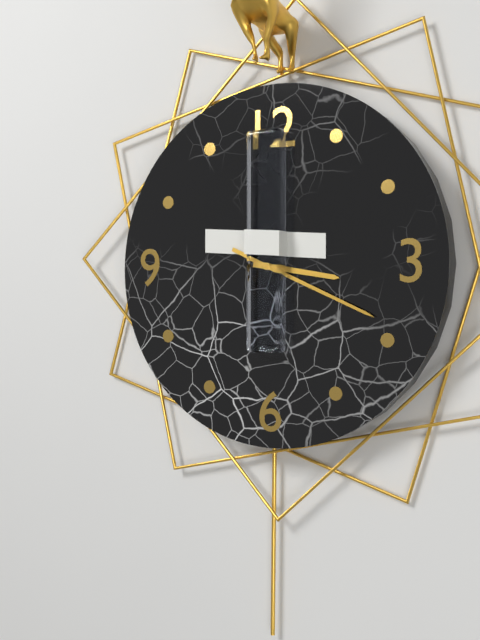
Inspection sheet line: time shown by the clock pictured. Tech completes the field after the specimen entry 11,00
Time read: 3,19
